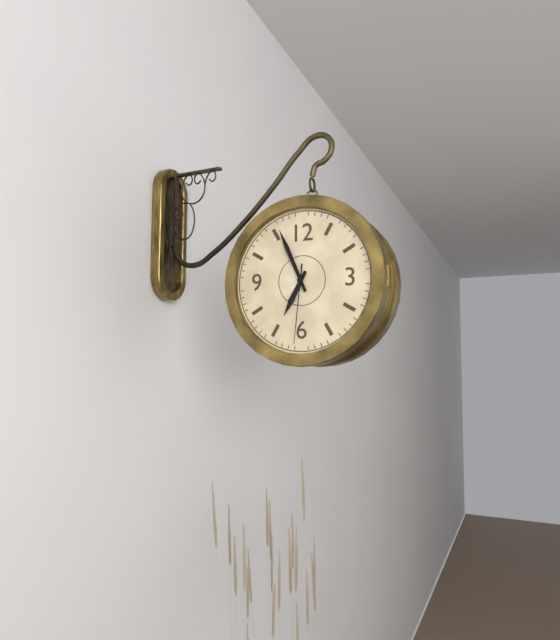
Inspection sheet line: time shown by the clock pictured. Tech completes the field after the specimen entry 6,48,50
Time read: 6,56,31
